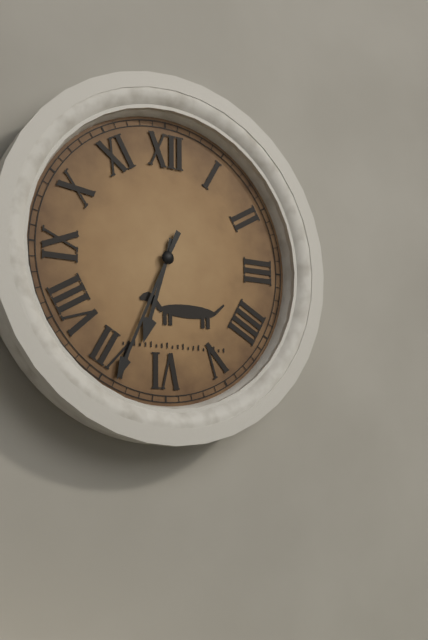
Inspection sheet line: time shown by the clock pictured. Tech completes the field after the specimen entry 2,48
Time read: 6,34
